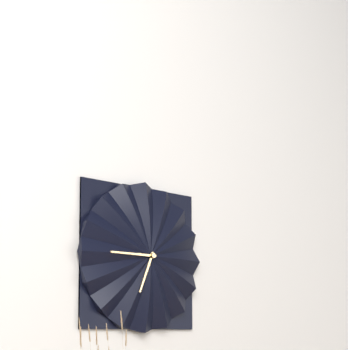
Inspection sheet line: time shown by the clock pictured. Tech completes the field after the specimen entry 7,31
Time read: 6,45
